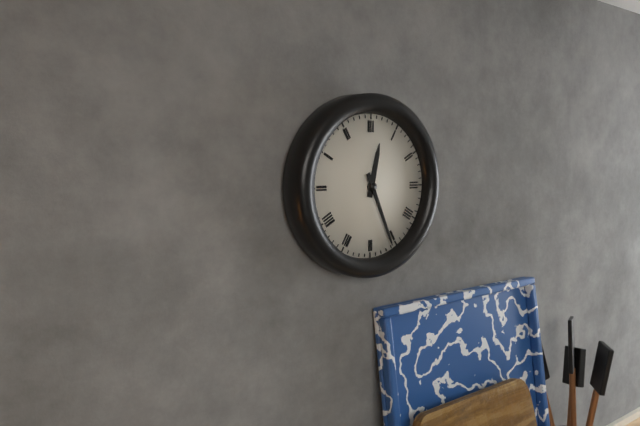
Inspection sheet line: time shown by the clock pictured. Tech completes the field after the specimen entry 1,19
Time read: 12,26
